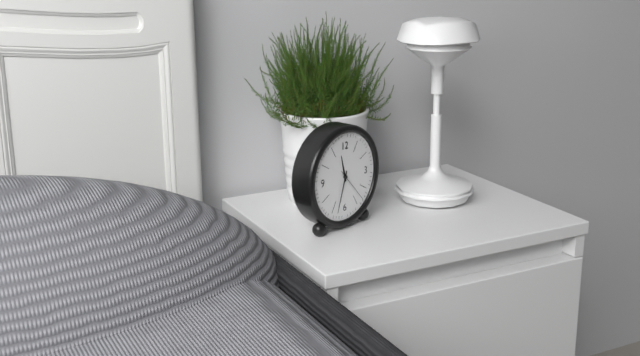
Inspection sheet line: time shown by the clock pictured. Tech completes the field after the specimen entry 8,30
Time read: 11,33
